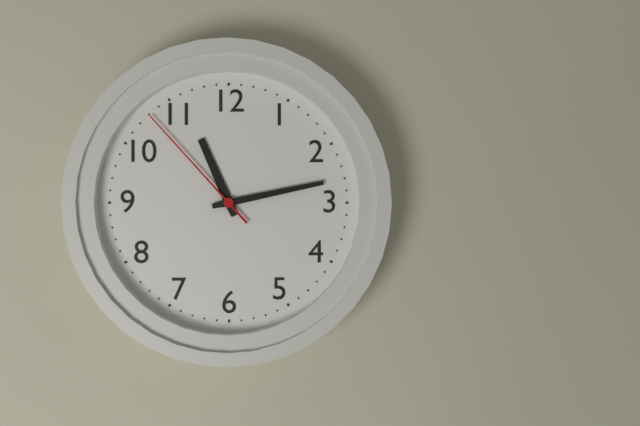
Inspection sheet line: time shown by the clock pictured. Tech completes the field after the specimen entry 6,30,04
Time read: 11,13,53
